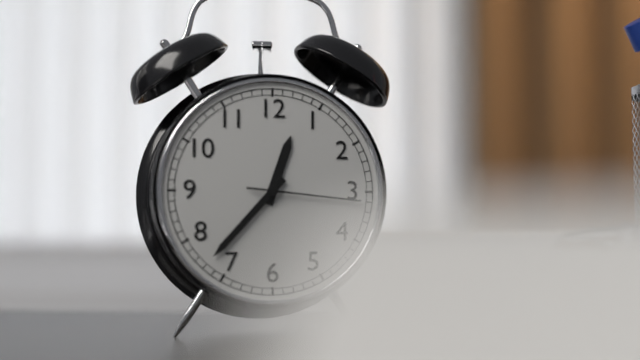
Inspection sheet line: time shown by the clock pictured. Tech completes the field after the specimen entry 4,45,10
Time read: 12,37,16
